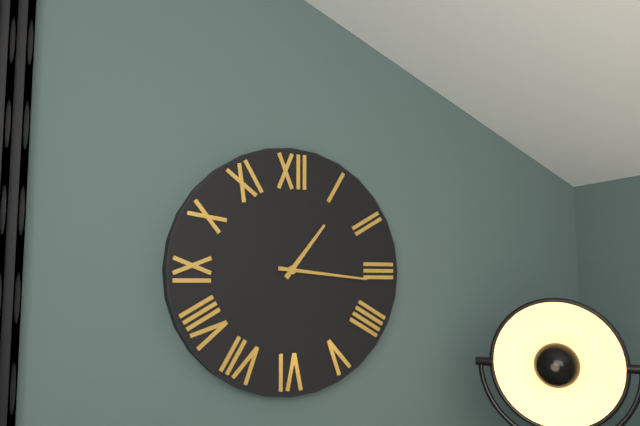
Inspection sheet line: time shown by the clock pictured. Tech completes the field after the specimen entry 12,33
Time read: 1,16
